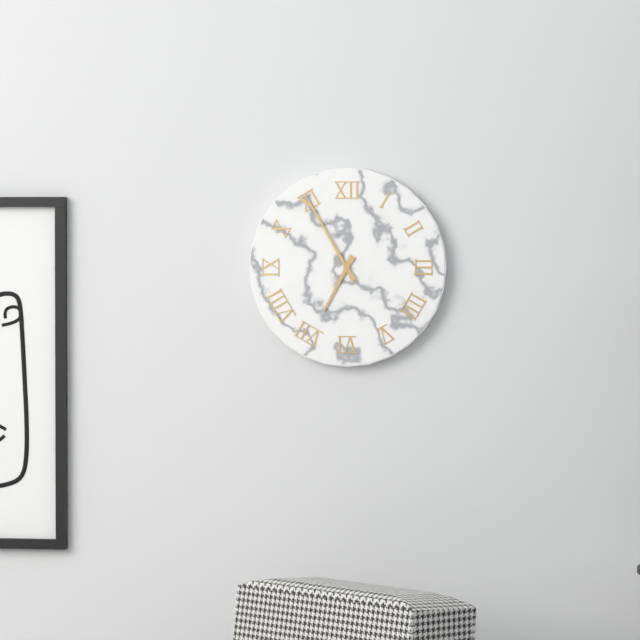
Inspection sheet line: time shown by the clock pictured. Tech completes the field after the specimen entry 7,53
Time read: 6,55
